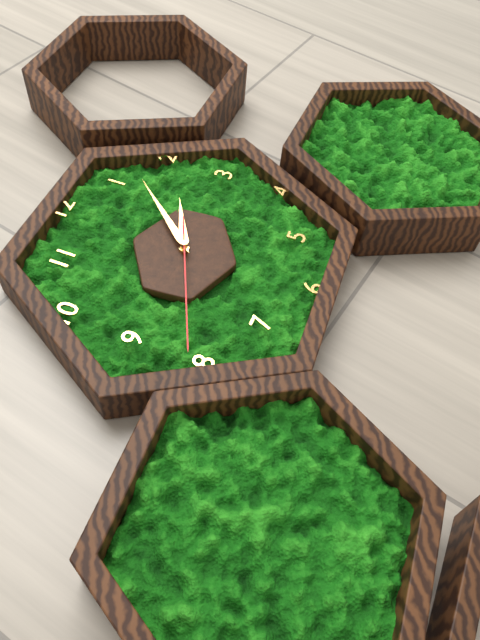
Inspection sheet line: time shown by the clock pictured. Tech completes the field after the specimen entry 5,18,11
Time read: 2,07,41
